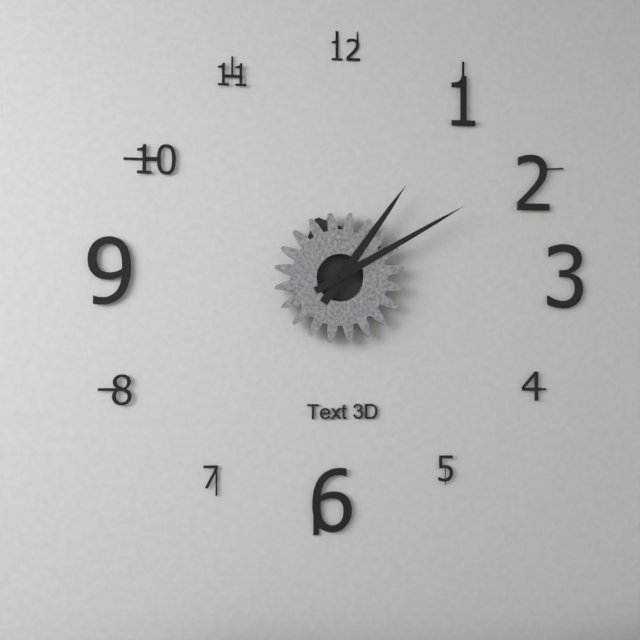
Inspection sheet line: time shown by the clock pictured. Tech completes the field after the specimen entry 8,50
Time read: 1,10
